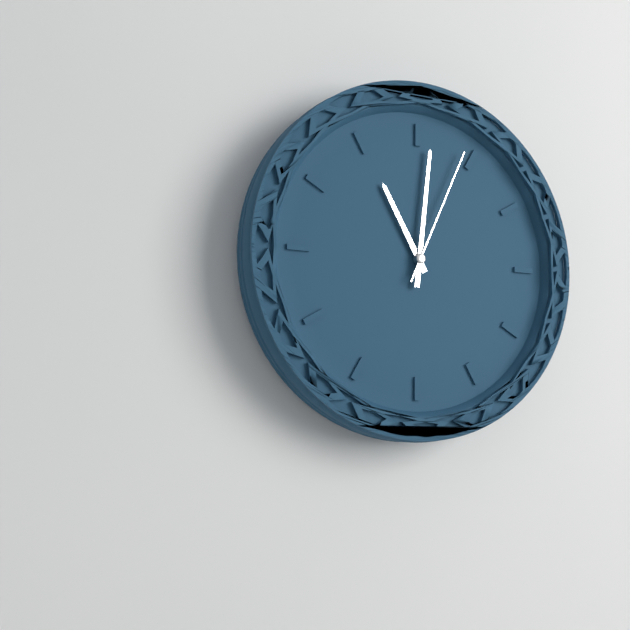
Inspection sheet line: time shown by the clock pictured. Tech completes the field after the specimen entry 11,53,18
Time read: 11,01,04
